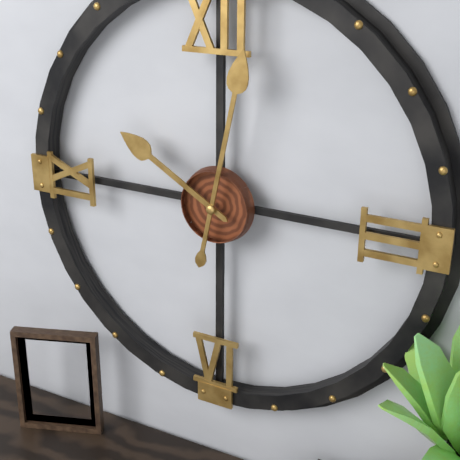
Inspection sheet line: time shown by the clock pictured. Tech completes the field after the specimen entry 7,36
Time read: 10,02
